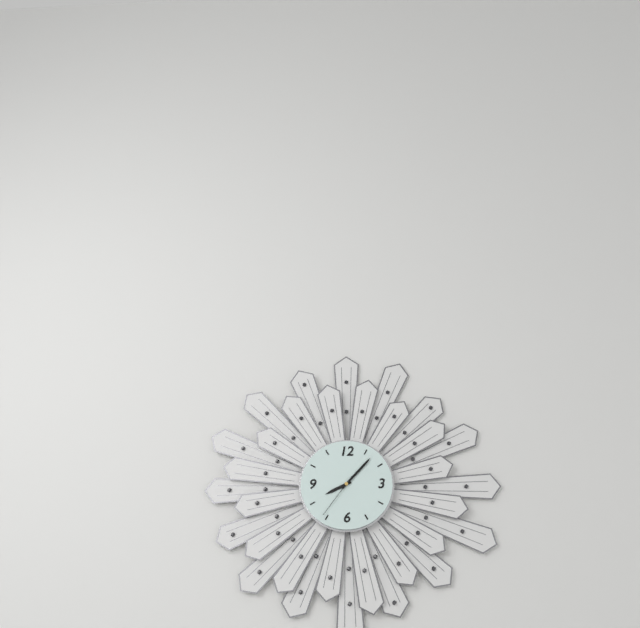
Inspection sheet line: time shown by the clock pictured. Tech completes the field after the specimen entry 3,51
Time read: 8,07
